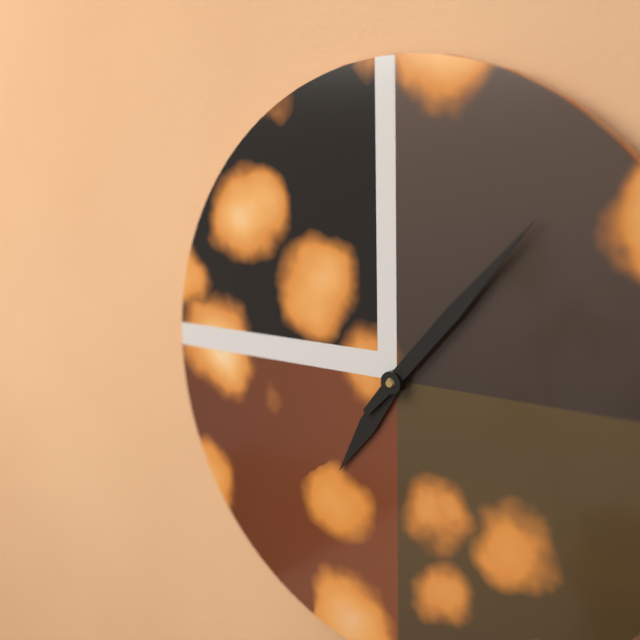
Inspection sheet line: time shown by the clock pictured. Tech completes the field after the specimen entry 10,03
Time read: 7,07
